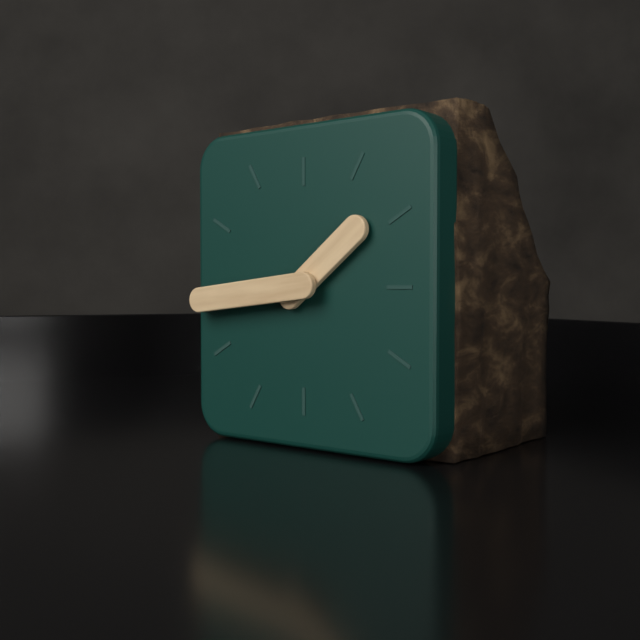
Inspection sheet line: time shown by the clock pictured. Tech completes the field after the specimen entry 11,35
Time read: 1,44
